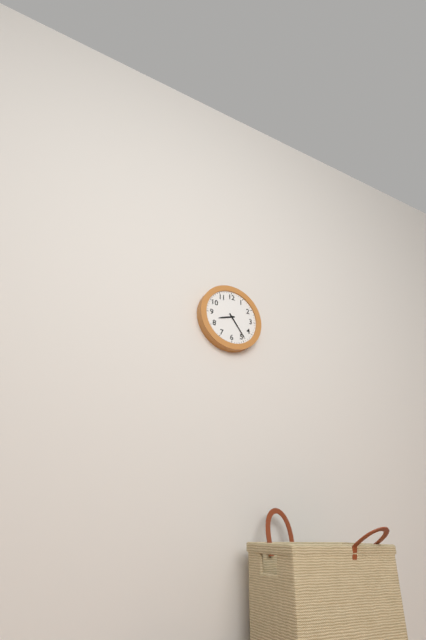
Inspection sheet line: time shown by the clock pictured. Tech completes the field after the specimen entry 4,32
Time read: 8,24
